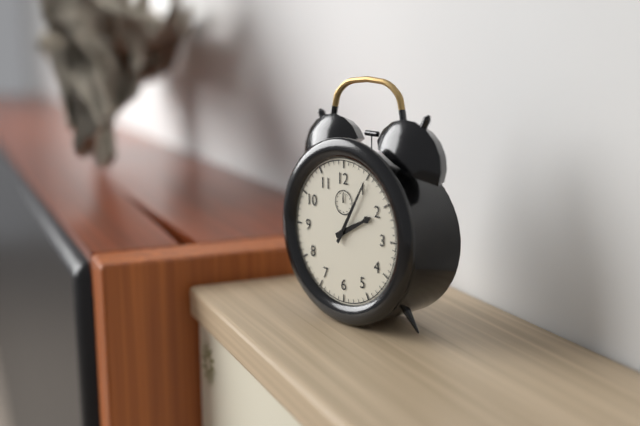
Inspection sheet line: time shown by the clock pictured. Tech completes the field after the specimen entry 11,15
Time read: 2,05
